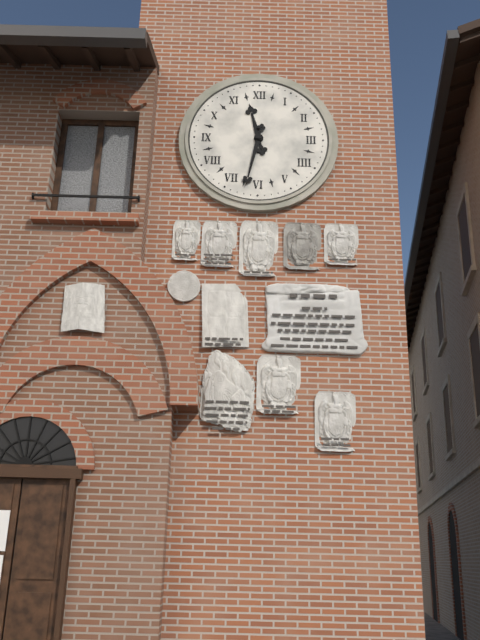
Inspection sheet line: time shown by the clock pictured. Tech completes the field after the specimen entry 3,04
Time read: 11,32
